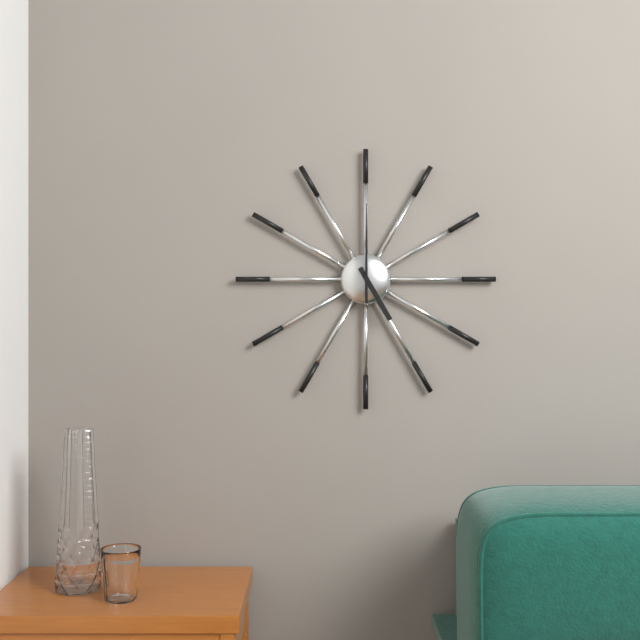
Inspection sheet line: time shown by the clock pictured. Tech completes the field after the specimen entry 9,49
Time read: 5,00
